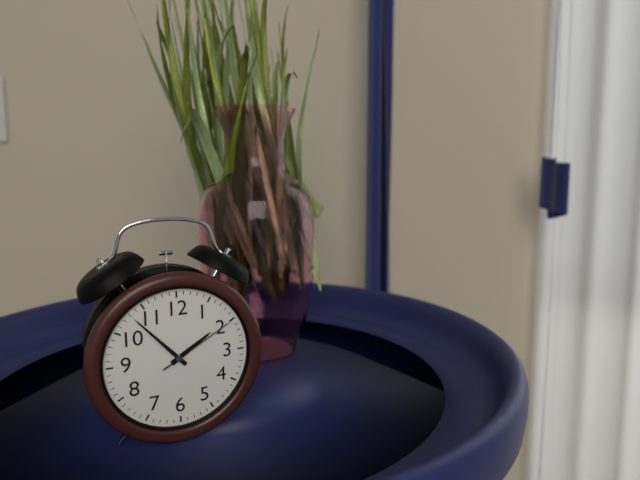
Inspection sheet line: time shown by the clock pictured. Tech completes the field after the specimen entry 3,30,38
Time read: 1,53,10
